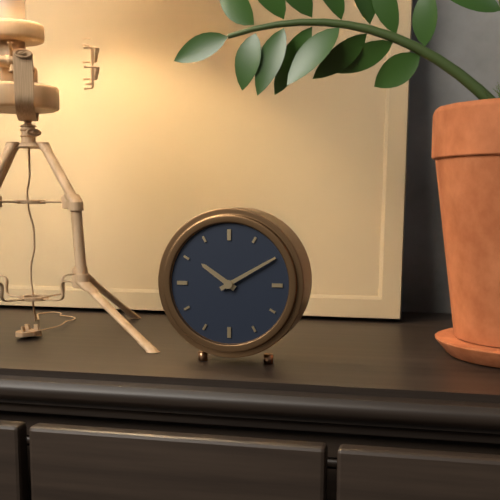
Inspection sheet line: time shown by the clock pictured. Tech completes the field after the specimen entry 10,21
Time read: 10,10
